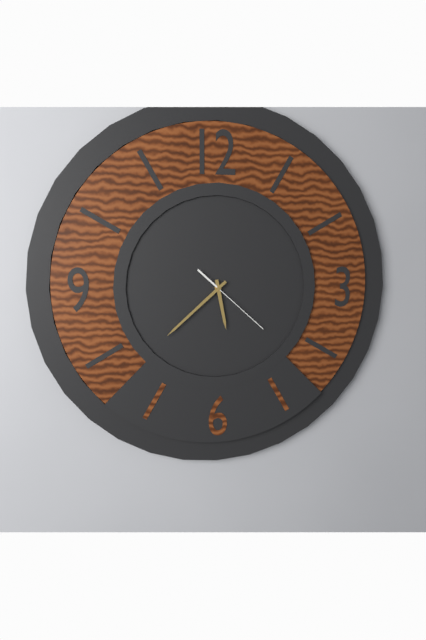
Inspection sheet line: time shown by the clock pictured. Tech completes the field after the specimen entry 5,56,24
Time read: 5,38,22
